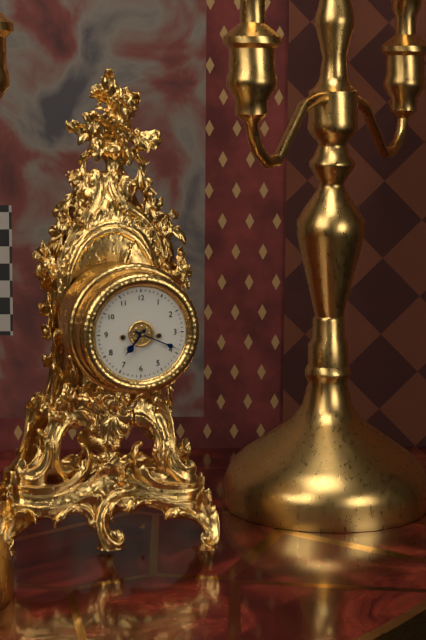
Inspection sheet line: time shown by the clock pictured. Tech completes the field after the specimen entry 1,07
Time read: 7,19
